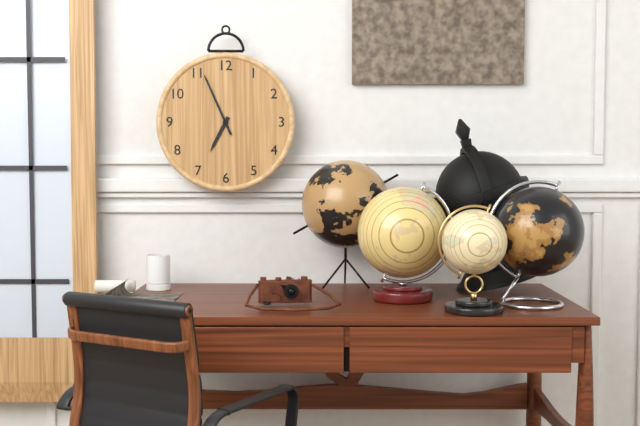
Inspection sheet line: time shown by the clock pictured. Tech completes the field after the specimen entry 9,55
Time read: 6,56
